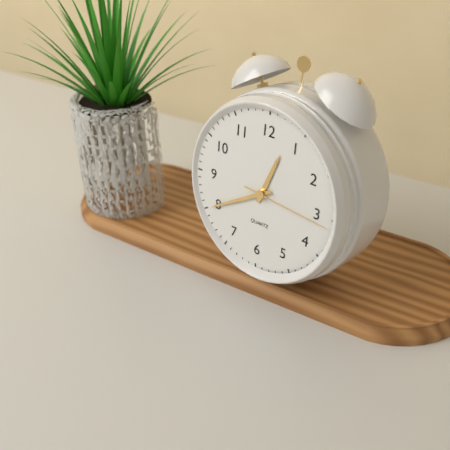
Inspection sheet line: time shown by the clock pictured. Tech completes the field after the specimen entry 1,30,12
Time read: 12,40,16
